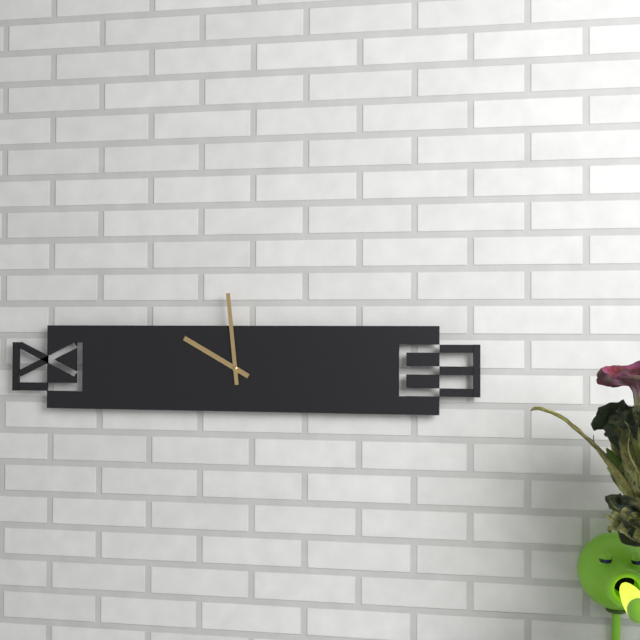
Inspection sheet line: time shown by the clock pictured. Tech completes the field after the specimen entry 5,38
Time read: 9,59
